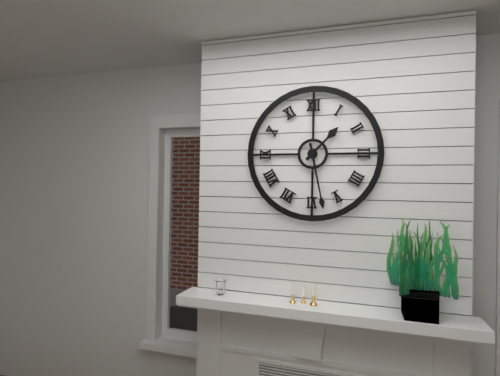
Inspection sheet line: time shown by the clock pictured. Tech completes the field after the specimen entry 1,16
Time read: 1,28
